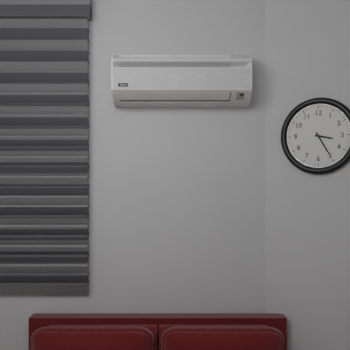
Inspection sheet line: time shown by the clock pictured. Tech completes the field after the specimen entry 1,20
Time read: 3,25
